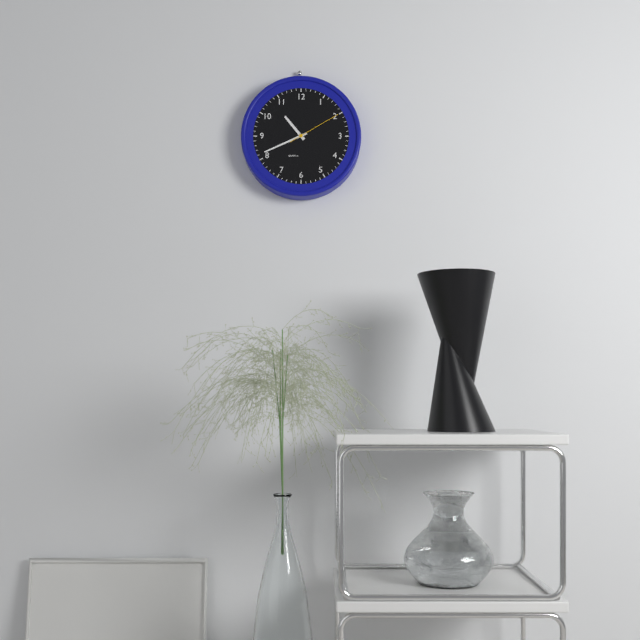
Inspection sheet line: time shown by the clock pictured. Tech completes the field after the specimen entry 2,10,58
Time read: 10,41,10
